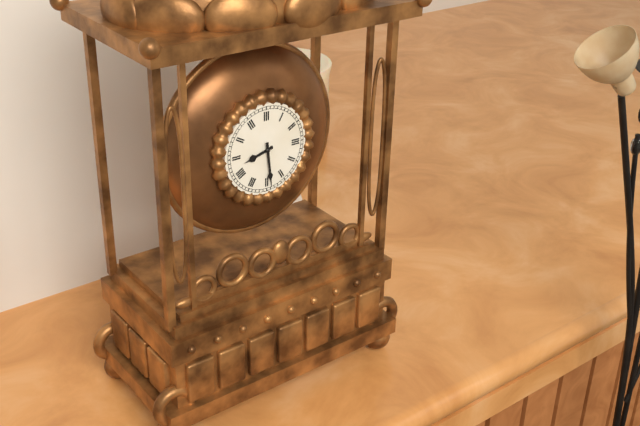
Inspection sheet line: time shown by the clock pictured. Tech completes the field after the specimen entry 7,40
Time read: 8,29
